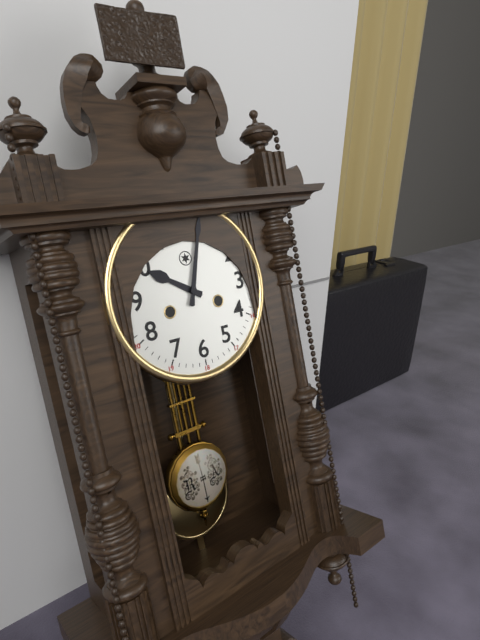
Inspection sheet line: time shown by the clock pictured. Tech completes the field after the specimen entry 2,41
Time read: 10,03
